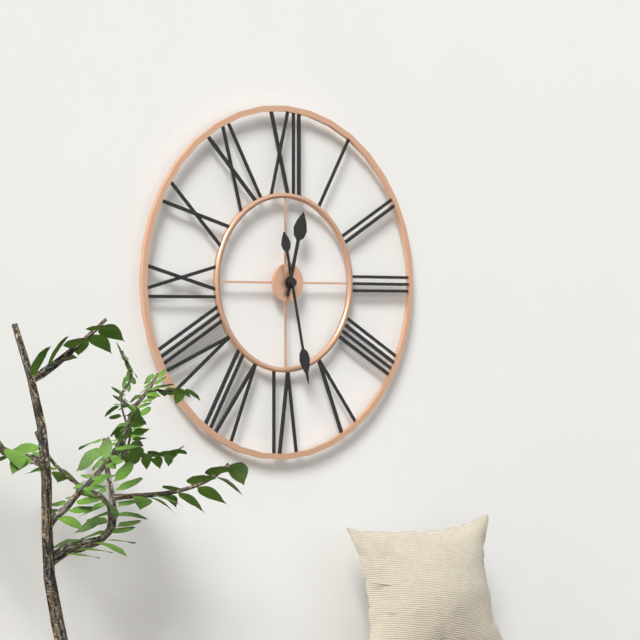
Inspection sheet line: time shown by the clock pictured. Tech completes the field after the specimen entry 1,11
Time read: 12,28
